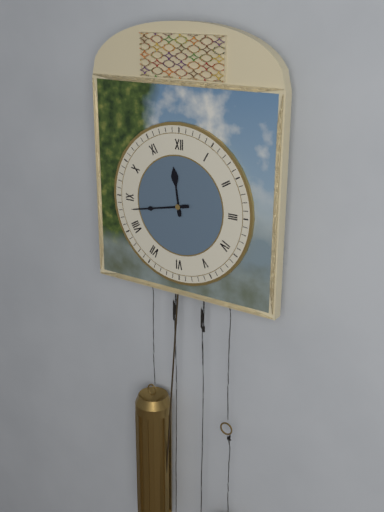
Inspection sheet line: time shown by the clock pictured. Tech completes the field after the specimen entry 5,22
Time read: 11,43
